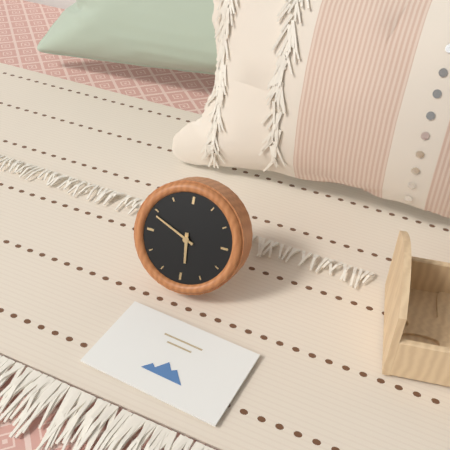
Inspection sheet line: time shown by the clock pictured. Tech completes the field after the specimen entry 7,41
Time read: 5,49
